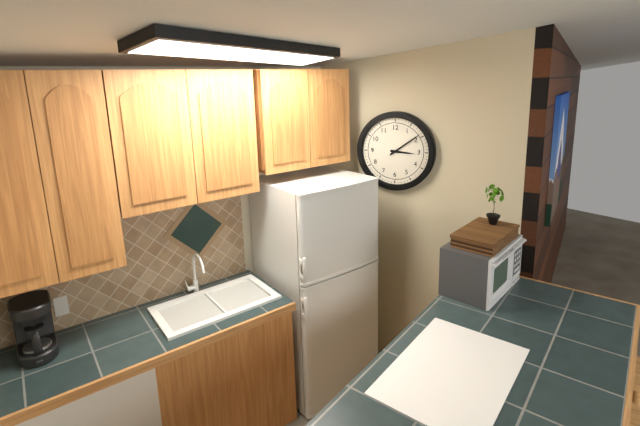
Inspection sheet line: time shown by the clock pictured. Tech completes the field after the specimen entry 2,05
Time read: 3,09
